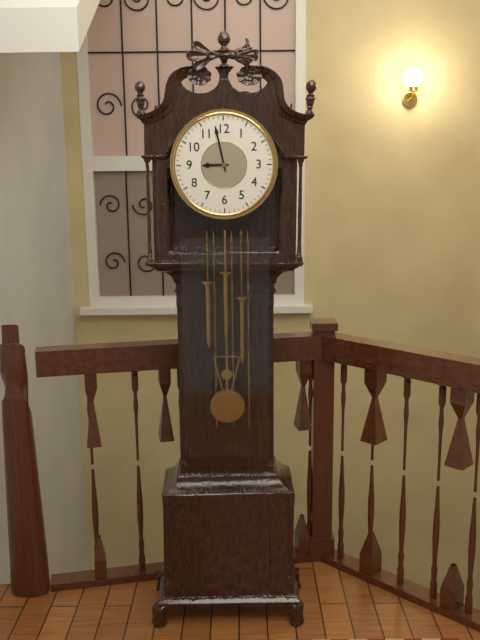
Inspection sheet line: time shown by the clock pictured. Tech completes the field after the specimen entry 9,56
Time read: 8,58
